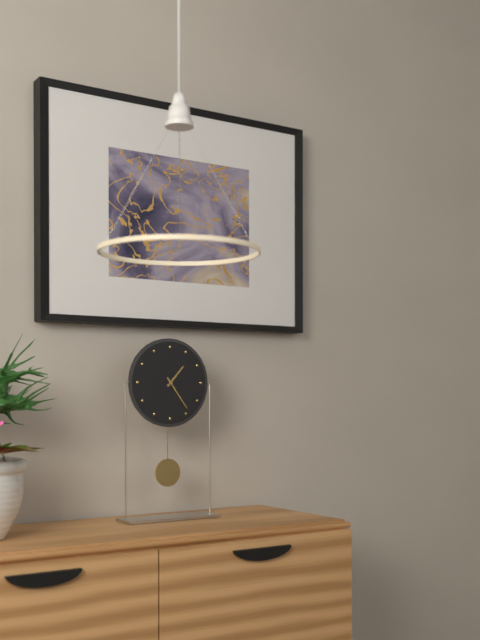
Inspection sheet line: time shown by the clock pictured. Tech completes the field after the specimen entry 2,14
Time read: 1,24
